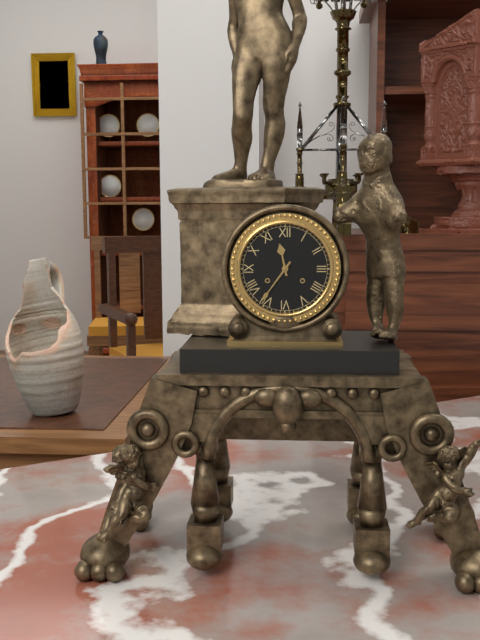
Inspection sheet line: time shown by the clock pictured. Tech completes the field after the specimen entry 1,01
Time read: 11,36
